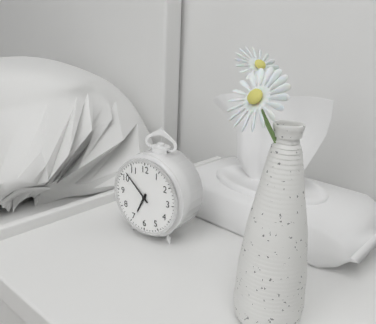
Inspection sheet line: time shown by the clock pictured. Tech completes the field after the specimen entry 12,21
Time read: 6,52
